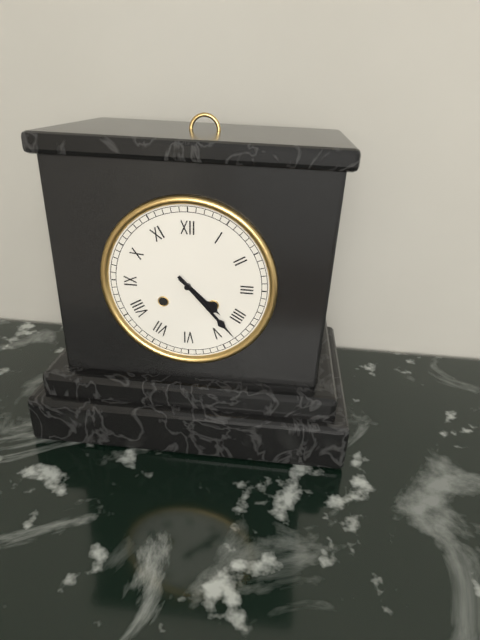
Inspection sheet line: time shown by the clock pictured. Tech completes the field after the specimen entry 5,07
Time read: 4,23
